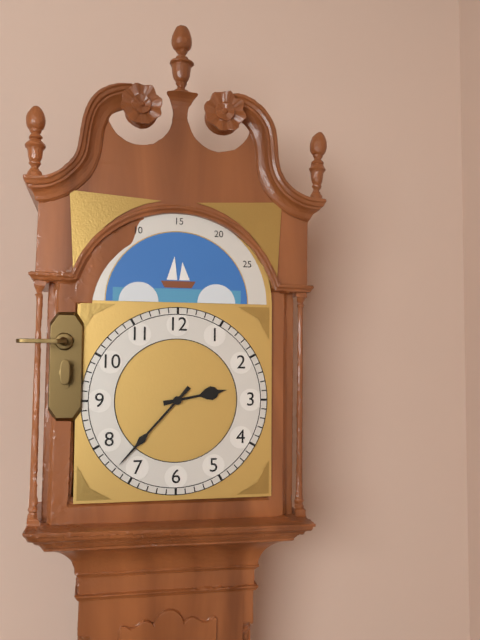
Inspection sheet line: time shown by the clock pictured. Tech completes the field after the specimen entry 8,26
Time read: 2,37
